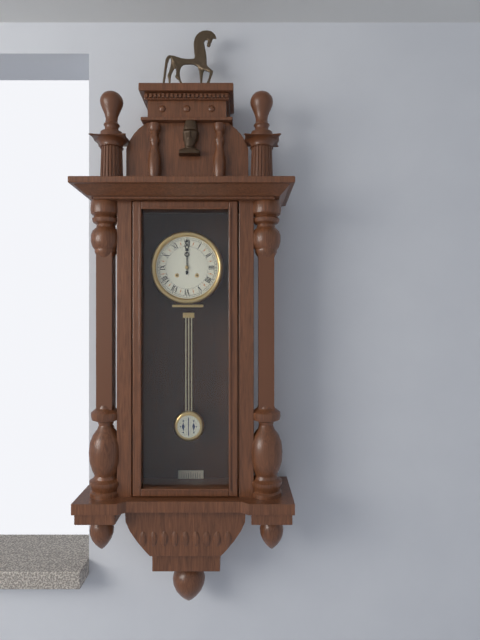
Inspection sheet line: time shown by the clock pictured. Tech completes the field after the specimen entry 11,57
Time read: 12,00
